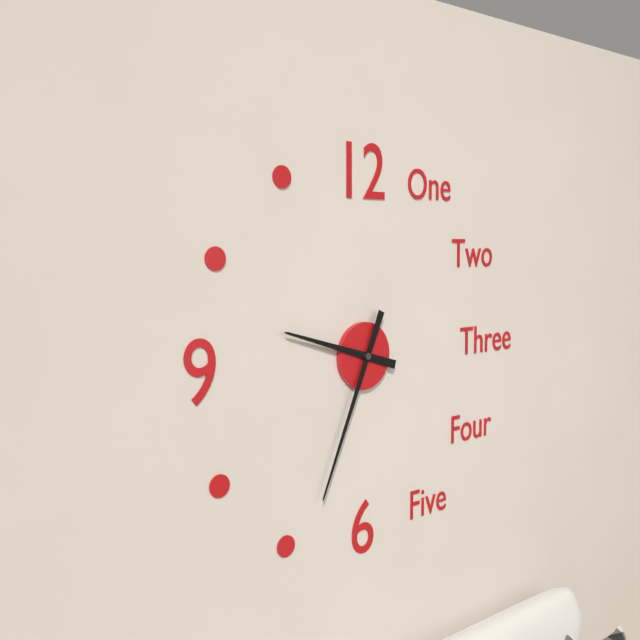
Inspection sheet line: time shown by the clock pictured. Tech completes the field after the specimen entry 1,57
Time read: 9,34
